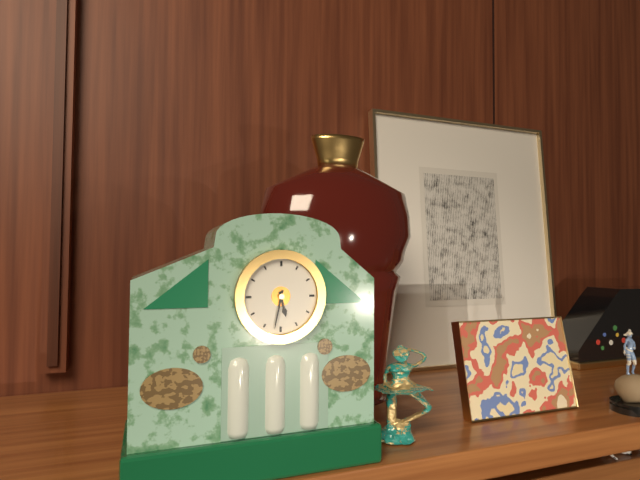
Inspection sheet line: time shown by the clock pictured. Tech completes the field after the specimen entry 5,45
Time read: 5,32
